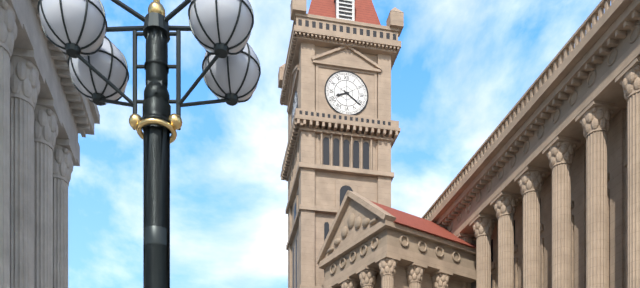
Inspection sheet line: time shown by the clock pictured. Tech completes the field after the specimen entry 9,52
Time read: 8,21
